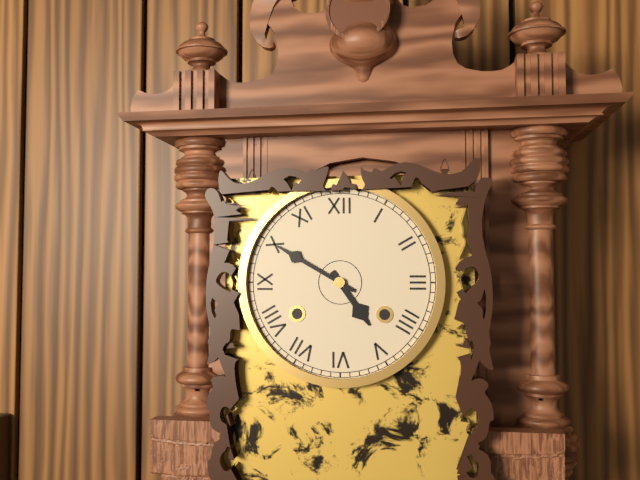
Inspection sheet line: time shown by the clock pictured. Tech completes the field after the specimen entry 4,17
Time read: 4,50
